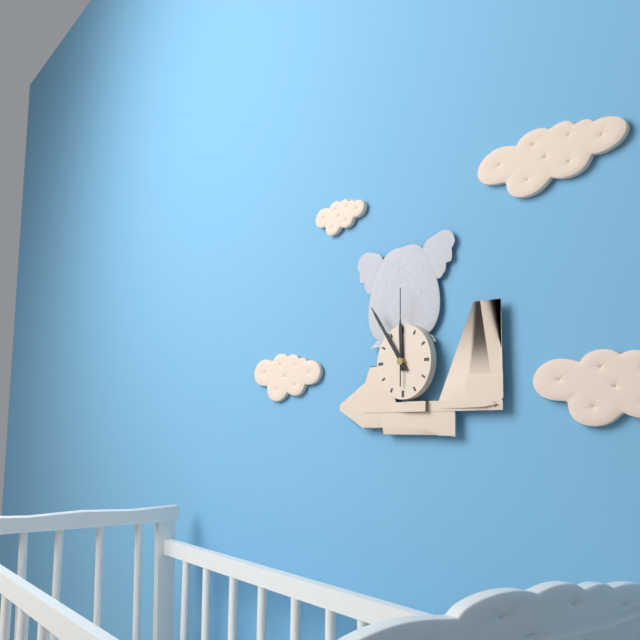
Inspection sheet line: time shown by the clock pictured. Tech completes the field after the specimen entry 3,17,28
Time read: 11,54,00
